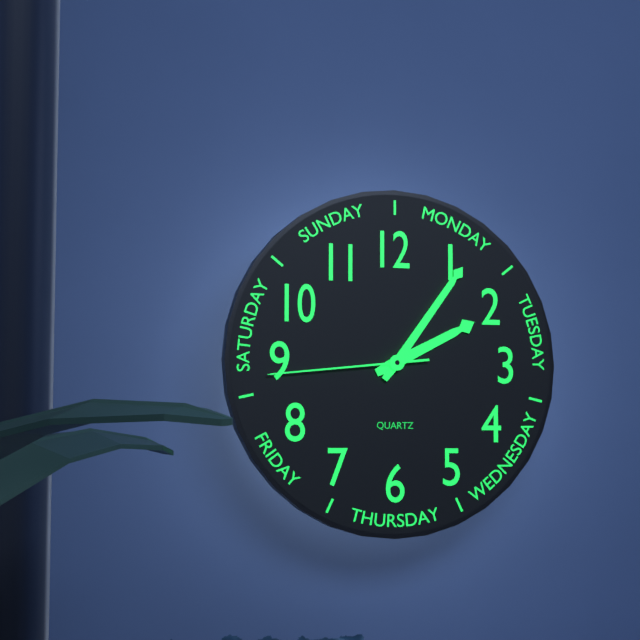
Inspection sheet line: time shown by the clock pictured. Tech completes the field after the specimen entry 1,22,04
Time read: 2,06,44
